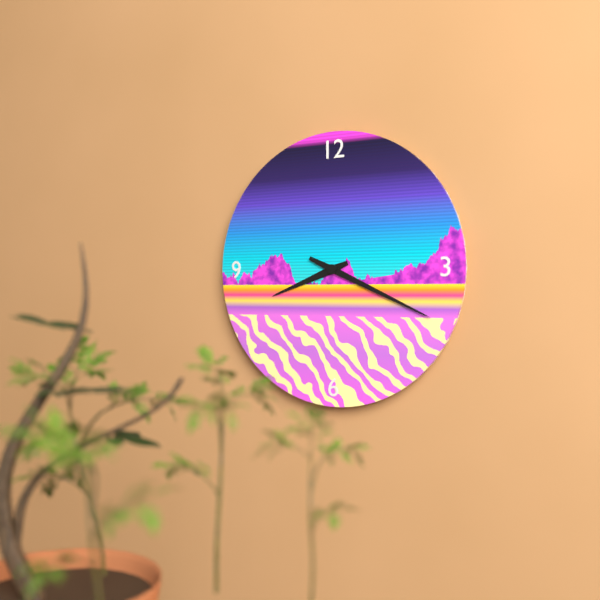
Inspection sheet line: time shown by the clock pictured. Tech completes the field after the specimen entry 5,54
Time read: 8,19
